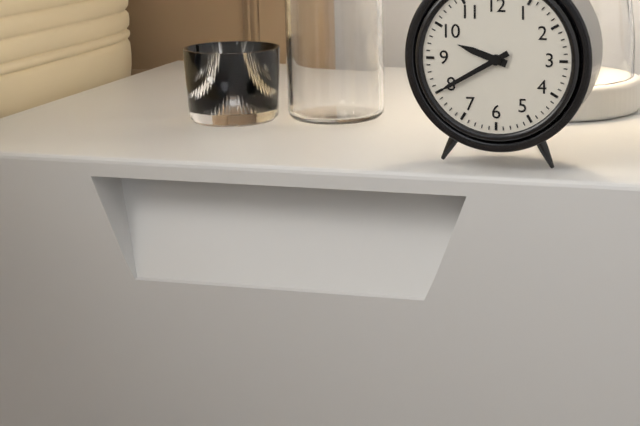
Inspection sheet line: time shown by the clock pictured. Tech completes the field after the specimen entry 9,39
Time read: 9,40
